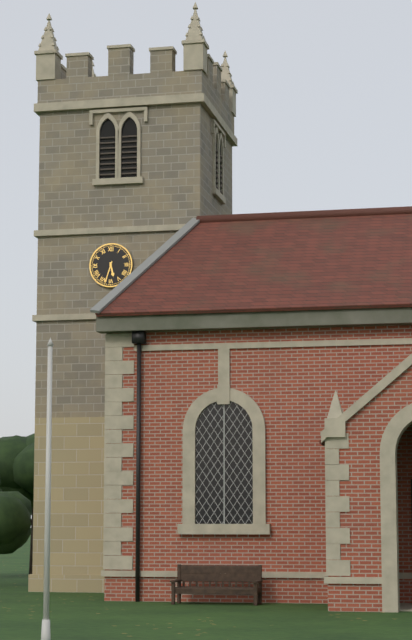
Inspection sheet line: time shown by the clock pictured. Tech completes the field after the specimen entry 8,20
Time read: 5,33
